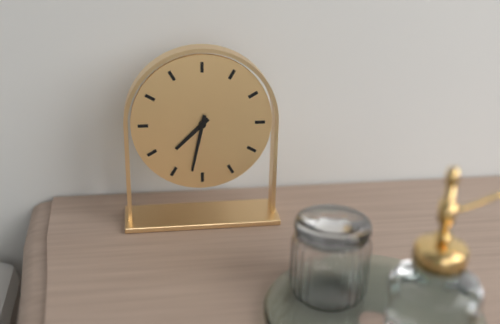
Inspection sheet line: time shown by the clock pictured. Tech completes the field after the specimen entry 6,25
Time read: 7,32
